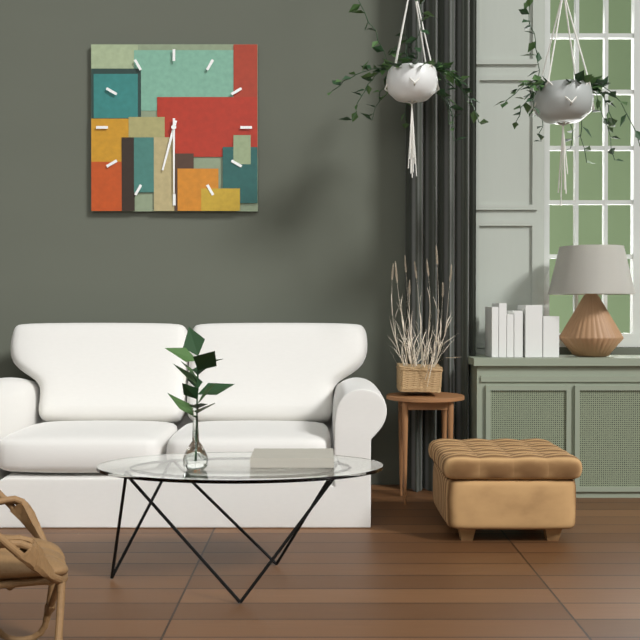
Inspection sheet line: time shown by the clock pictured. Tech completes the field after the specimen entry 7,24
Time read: 6,30
